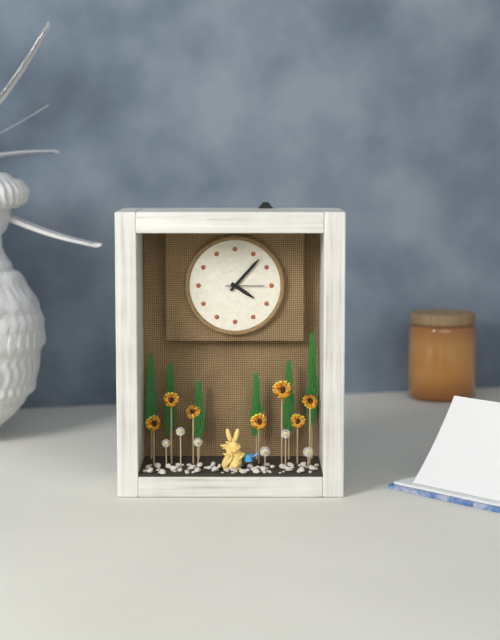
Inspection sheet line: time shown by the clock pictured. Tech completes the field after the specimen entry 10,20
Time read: 4,07
